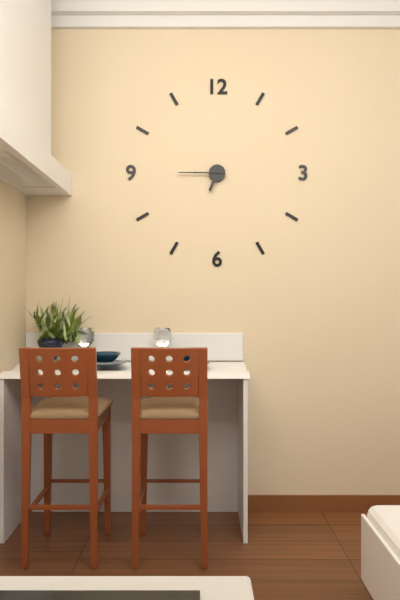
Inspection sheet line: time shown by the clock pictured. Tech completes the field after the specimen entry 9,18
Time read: 6,45
